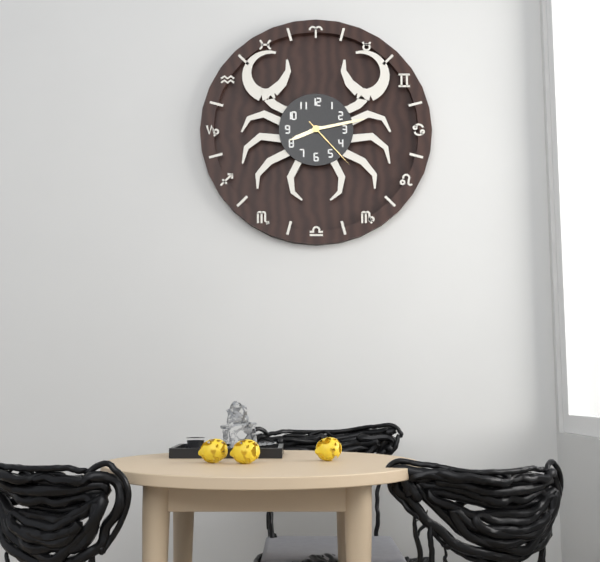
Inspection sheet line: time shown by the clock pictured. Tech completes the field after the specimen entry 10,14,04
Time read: 8,13,23
